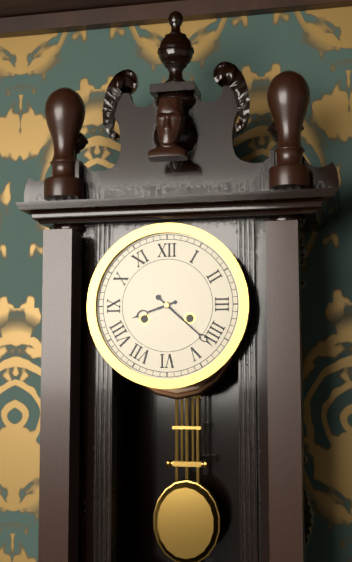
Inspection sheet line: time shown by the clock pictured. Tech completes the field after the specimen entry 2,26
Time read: 8,22
